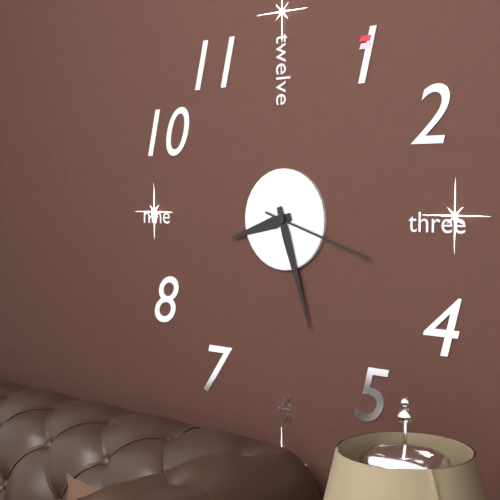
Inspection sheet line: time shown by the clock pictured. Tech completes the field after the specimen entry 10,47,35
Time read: 8,27,18
